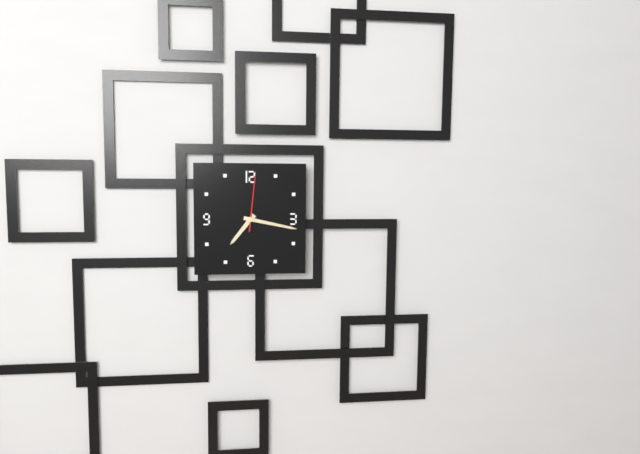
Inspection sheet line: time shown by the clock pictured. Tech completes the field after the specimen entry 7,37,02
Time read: 7,17,01
